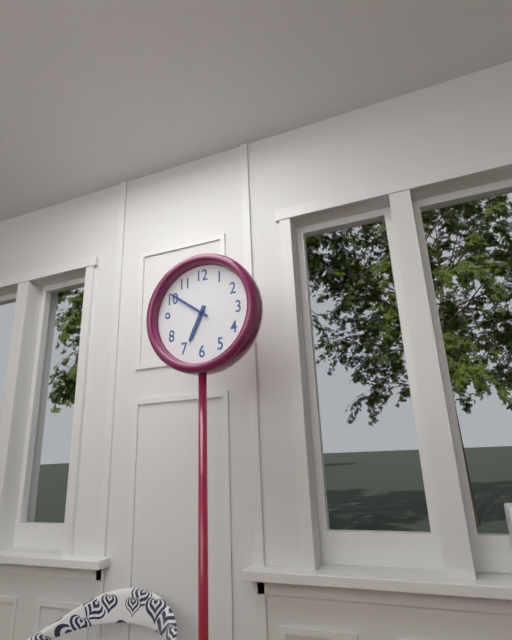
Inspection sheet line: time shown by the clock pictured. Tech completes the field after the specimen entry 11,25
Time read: 6,51
